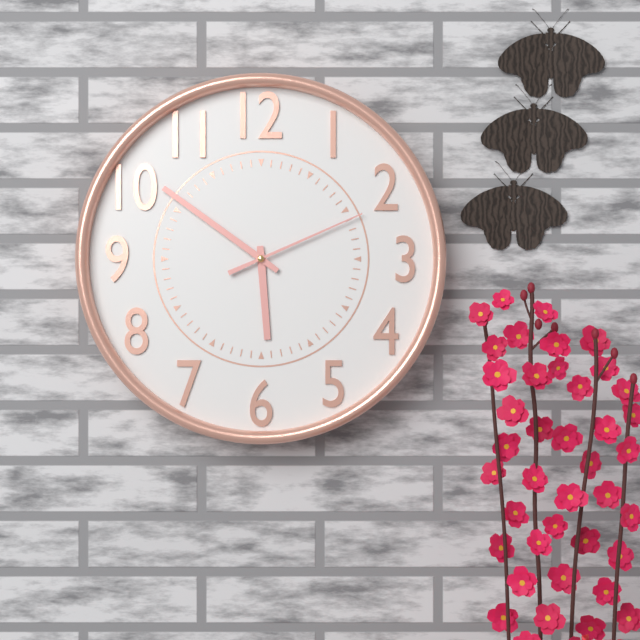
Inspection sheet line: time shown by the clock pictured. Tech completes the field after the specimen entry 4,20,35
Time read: 5,51,11
